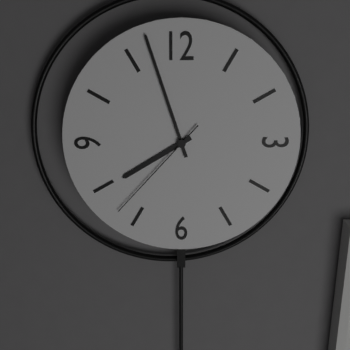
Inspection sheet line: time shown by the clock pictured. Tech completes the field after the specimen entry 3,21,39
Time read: 7,57,37
